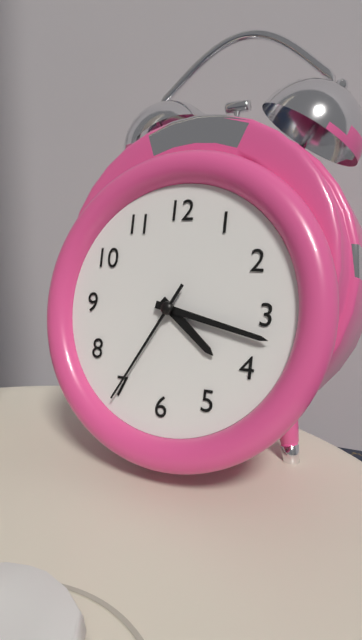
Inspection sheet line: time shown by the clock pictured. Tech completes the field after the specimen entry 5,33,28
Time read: 4,17,35
